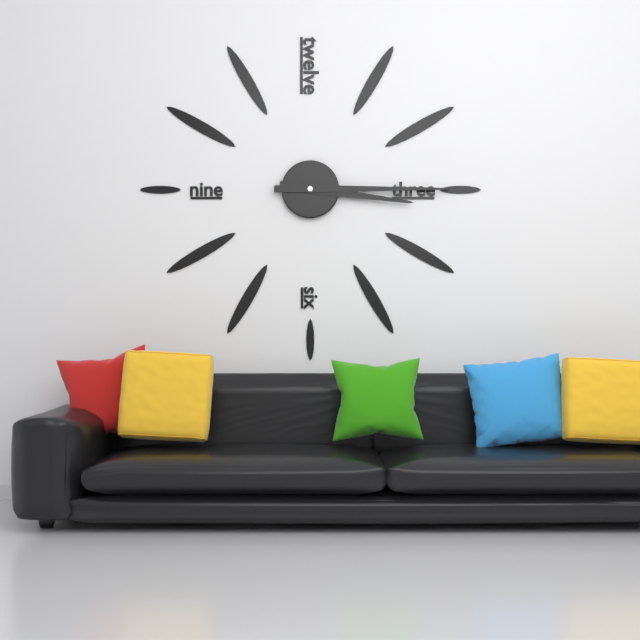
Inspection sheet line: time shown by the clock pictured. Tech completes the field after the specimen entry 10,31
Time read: 3,15
